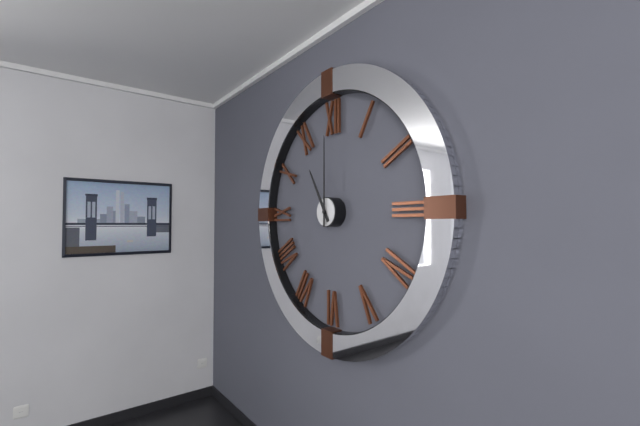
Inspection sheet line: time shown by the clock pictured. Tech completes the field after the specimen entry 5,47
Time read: 11,00
